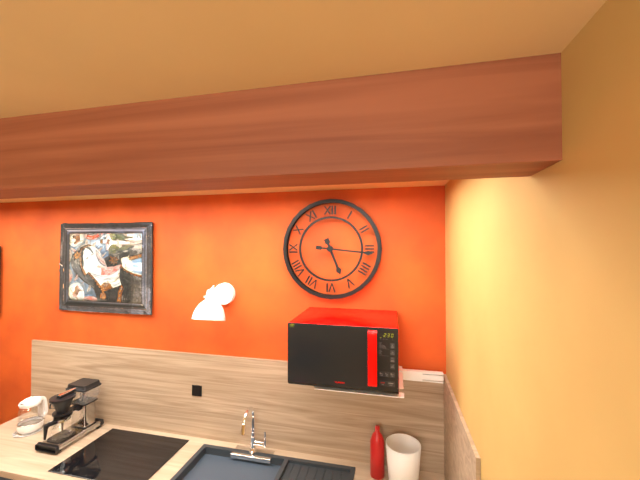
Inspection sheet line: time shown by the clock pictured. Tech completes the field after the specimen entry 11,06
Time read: 5,16
